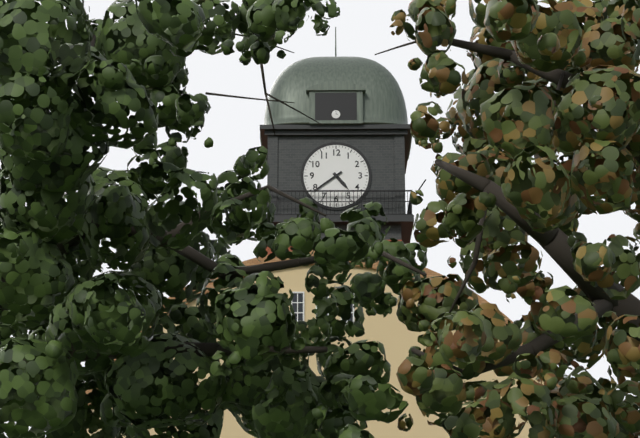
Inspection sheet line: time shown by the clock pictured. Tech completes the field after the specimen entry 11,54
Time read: 4,39
